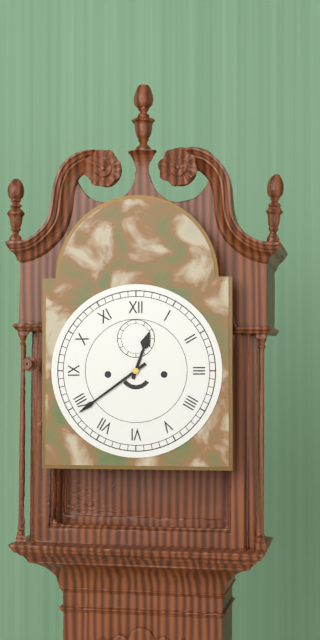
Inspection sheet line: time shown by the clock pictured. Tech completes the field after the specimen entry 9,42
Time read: 12,39
